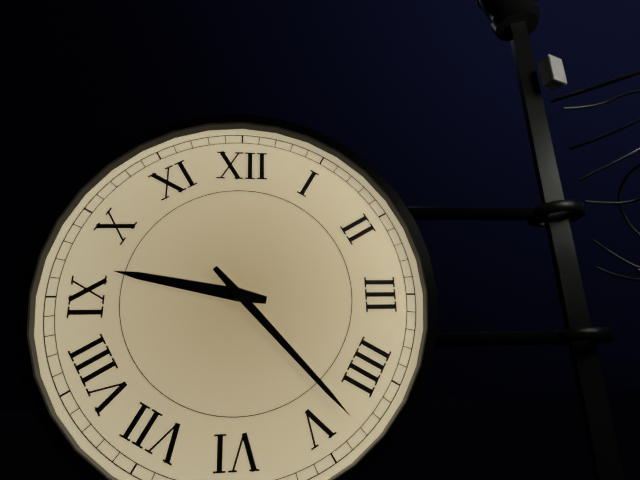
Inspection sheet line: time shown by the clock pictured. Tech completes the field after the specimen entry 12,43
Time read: 9,23
